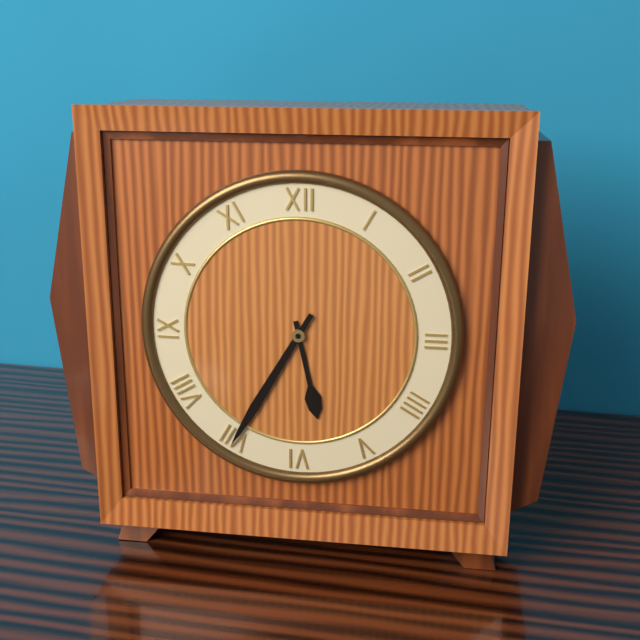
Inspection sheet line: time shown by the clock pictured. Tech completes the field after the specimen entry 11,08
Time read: 5,35
